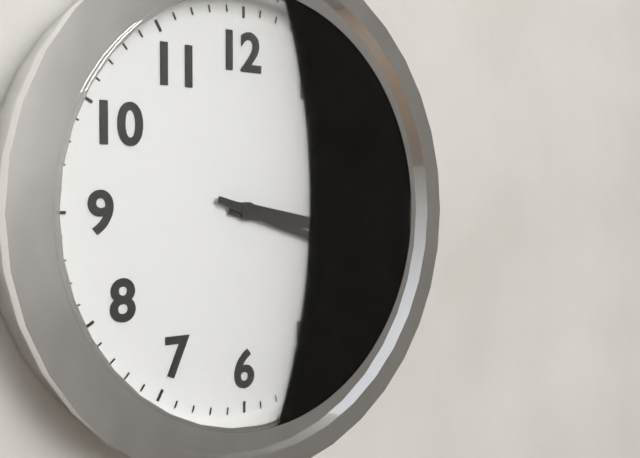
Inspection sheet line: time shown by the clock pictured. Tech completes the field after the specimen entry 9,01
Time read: 3,18
